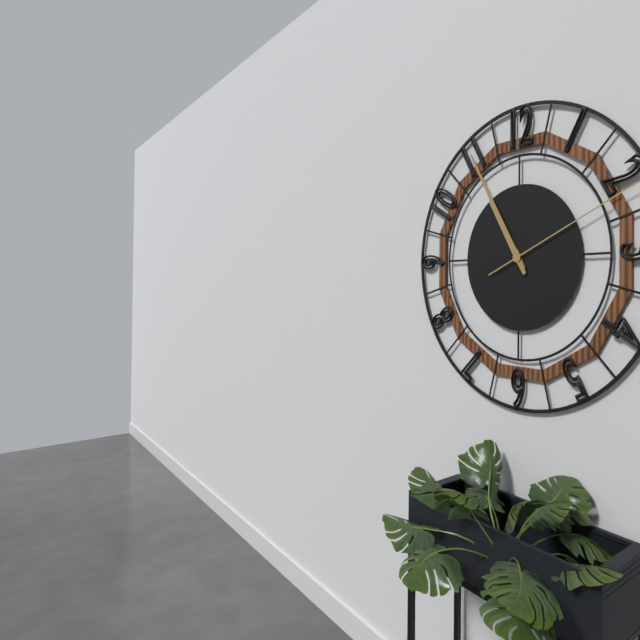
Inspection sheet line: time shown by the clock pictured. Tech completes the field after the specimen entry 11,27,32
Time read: 10,55,11
